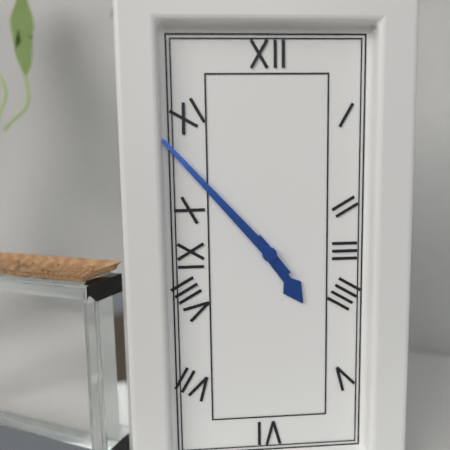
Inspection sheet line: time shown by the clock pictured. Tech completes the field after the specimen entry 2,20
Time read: 4,53
